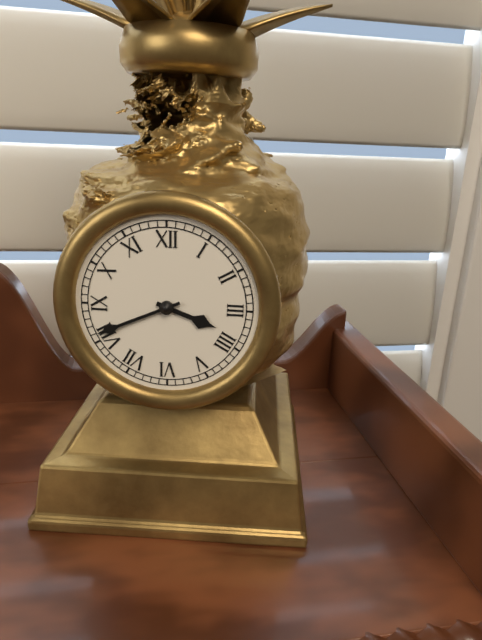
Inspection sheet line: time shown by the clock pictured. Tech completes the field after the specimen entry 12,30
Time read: 3,41
